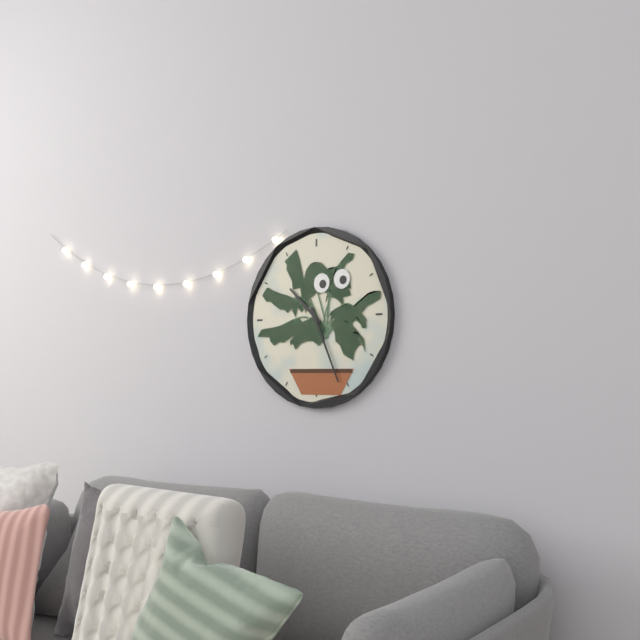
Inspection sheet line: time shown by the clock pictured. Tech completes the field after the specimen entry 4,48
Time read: 10,26
